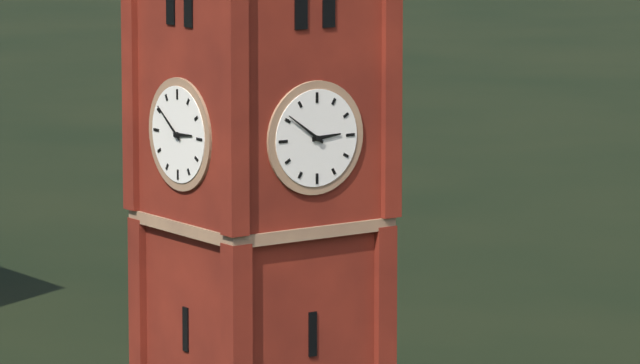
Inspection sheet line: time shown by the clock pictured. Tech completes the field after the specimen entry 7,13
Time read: 2,51
